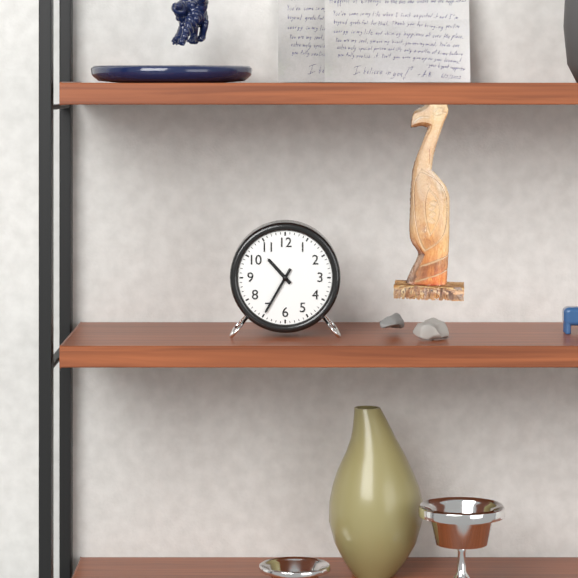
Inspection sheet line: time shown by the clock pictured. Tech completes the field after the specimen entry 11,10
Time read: 10,35
